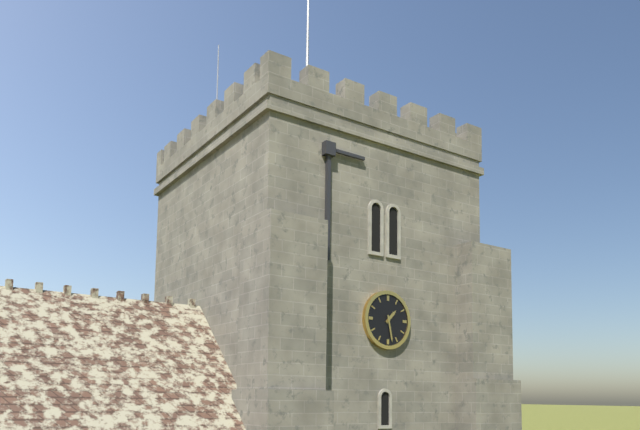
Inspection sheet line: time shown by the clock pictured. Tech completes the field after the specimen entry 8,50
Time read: 1,28
